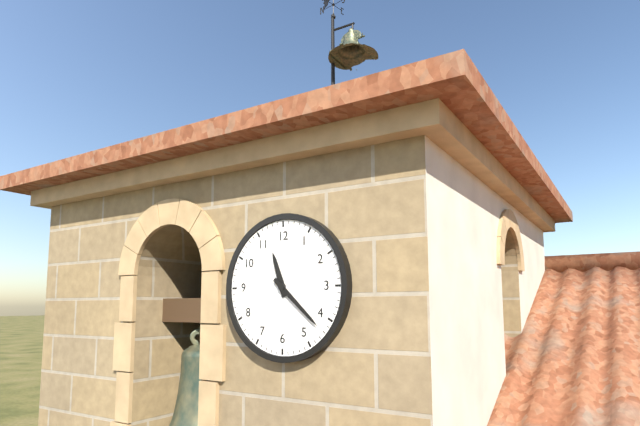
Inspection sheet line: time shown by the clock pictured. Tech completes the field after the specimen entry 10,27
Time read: 11,22
